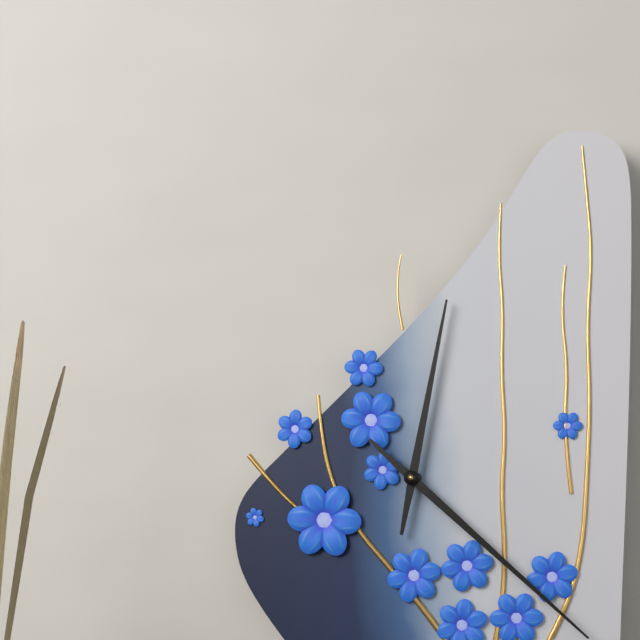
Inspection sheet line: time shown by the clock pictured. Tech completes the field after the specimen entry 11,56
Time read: 12,22
